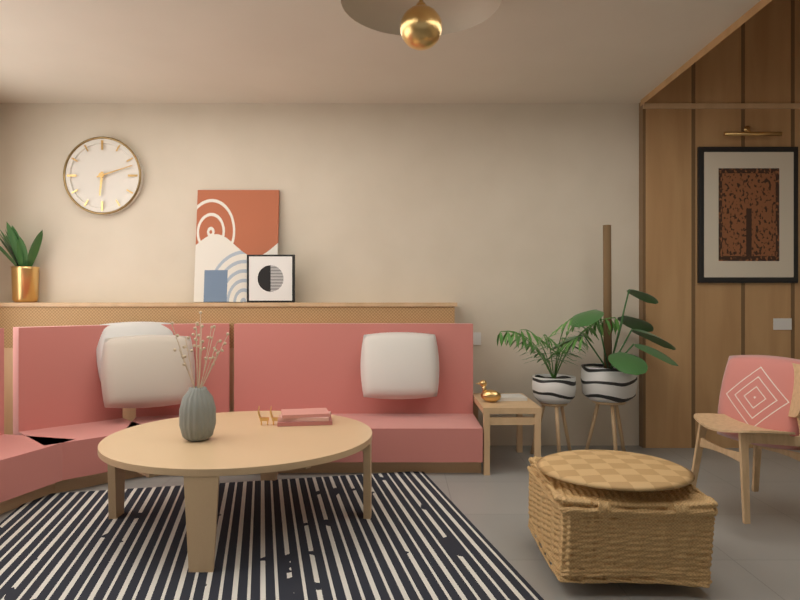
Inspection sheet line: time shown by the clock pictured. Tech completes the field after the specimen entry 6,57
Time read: 6,12
